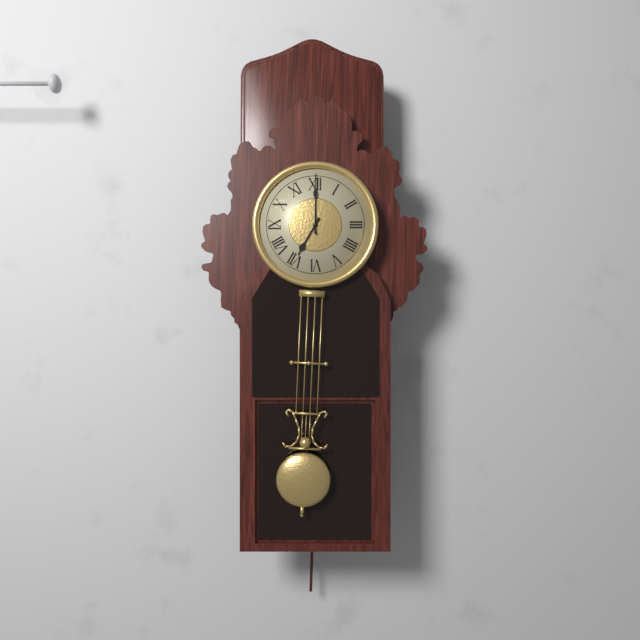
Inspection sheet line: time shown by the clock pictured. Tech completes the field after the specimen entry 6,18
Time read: 7,00
